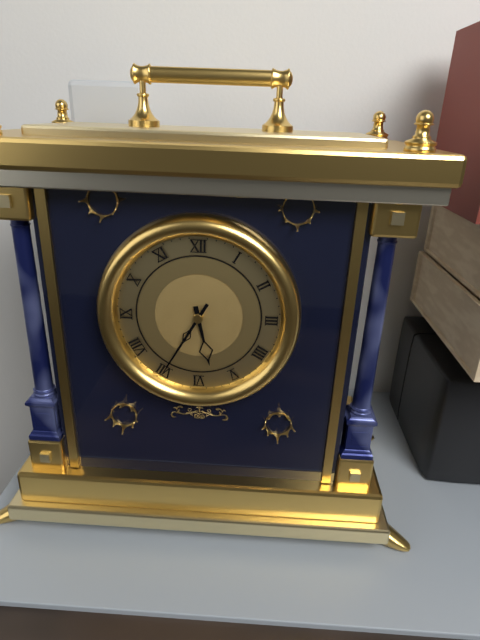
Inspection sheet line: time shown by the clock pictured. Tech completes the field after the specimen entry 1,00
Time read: 5,35
